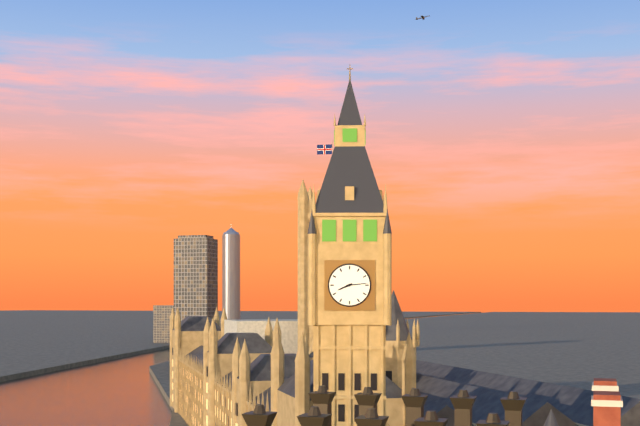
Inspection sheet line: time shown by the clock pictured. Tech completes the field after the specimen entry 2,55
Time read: 8,14
